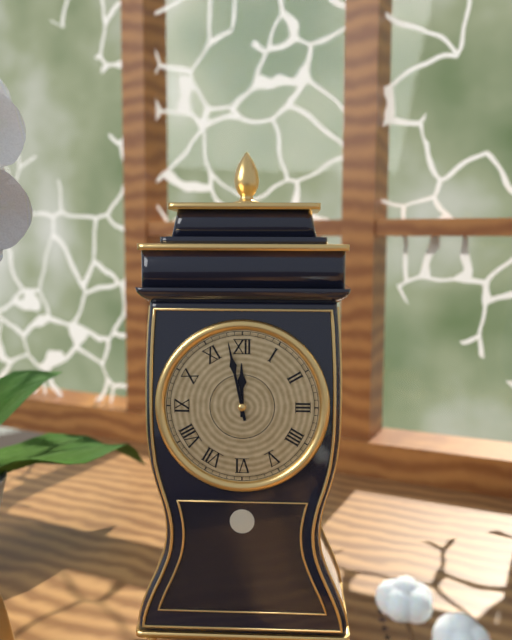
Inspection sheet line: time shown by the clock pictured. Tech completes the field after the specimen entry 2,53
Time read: 11,58
